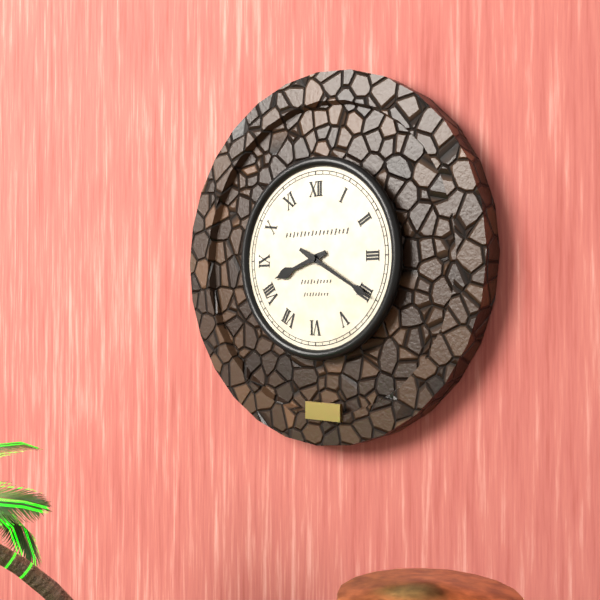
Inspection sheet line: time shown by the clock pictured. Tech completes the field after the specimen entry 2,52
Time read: 8,20
